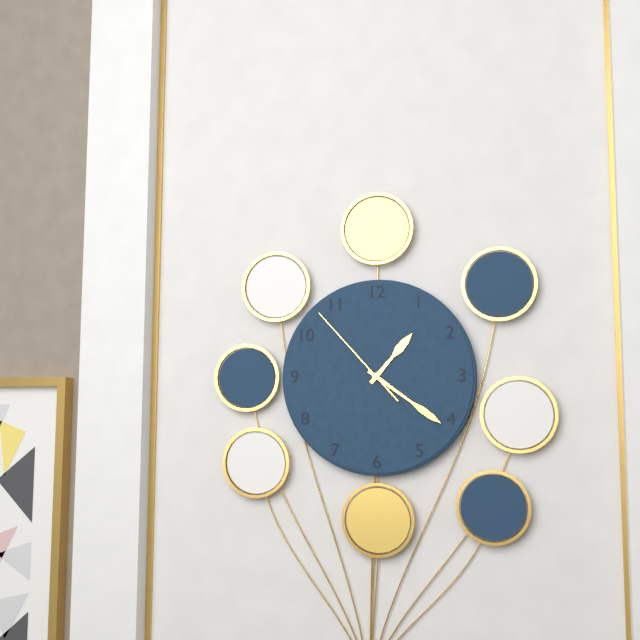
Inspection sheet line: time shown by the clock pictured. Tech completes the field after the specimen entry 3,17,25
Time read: 1,21,53
